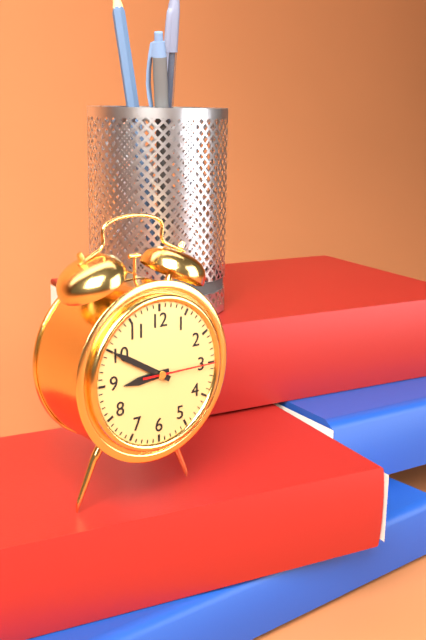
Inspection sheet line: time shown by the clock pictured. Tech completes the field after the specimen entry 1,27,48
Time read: 8,50,15
